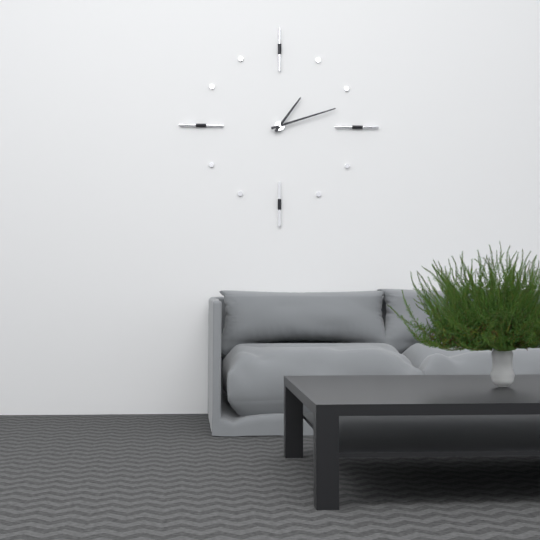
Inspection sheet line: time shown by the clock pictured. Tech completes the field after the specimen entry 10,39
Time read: 1,12
